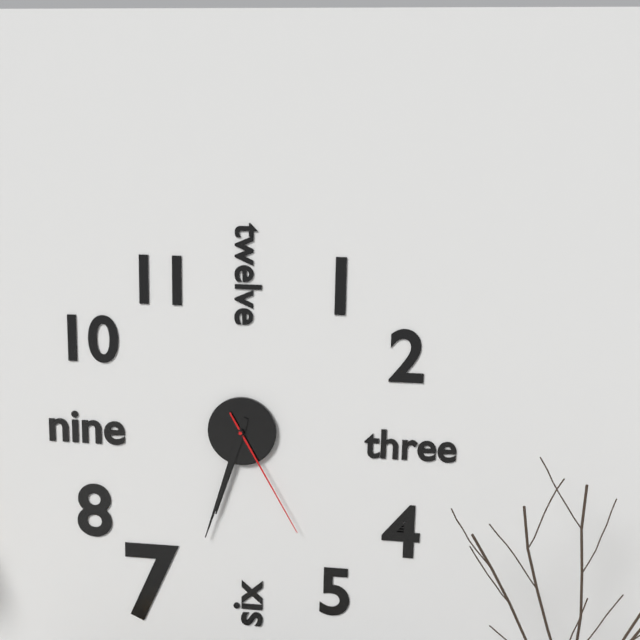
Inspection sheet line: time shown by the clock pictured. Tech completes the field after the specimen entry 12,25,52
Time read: 6,33,25
